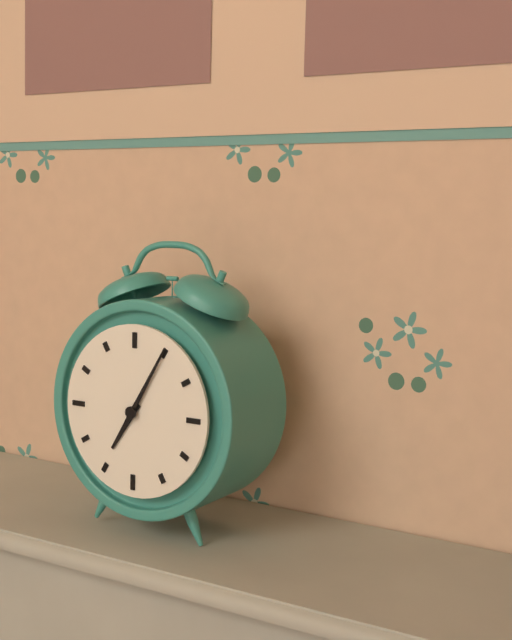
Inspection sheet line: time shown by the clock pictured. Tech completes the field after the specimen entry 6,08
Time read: 7,05
